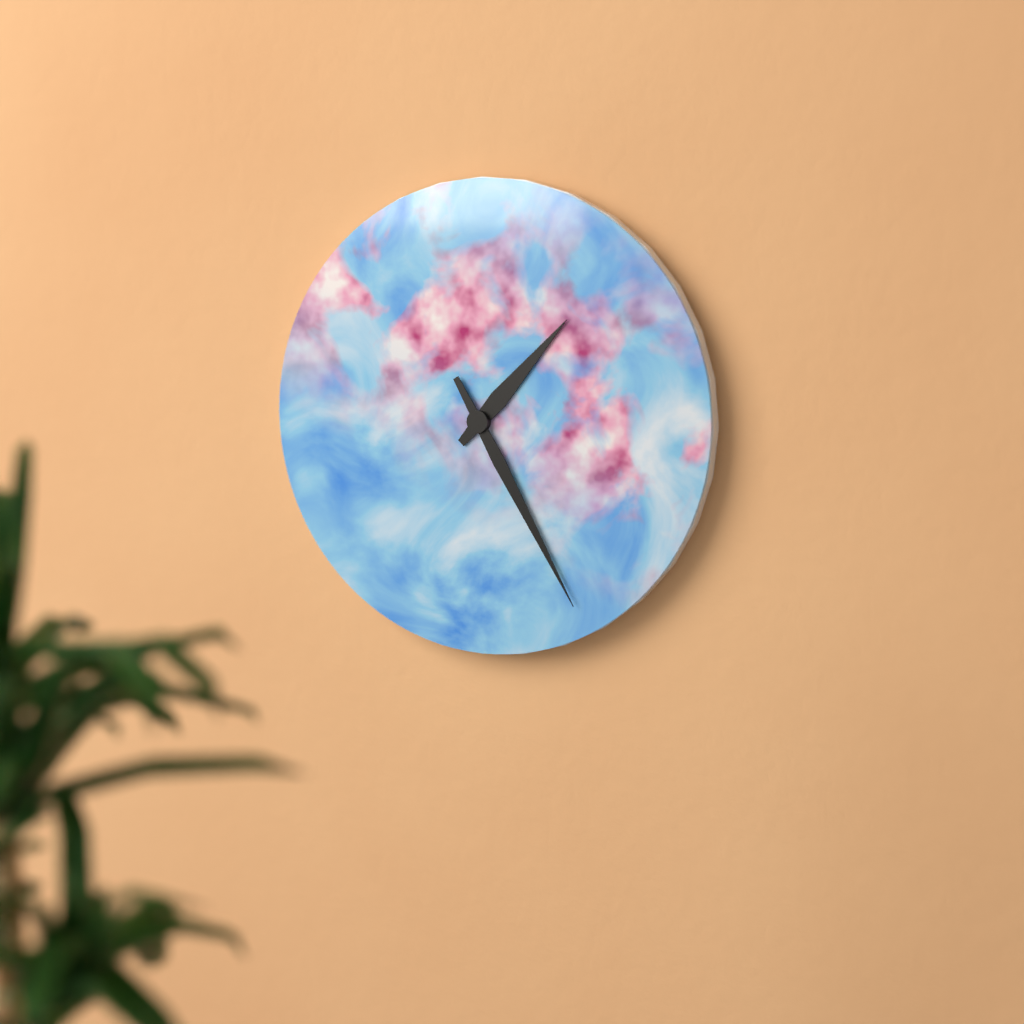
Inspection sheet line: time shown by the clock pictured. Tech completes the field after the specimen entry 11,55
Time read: 1,25
